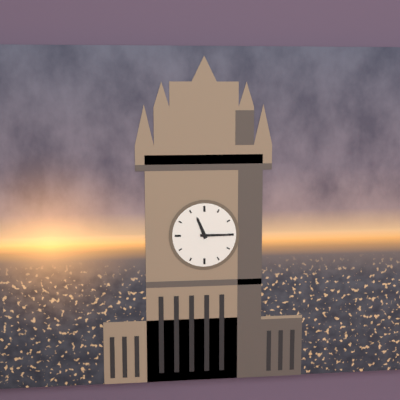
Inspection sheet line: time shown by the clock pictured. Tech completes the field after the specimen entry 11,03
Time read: 11,15
